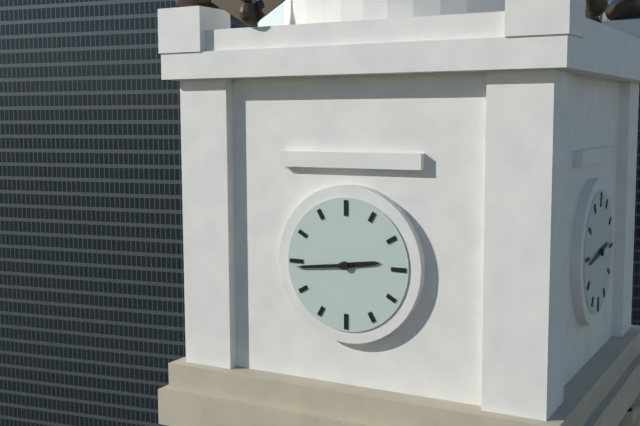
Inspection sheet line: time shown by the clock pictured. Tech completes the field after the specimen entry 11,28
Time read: 2,44
